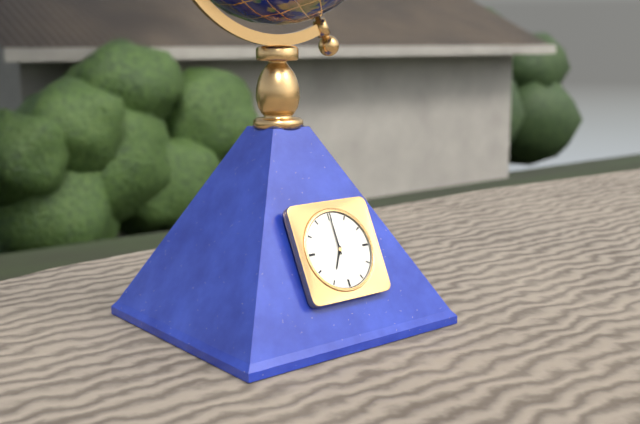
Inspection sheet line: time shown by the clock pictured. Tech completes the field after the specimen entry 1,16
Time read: 7,00
